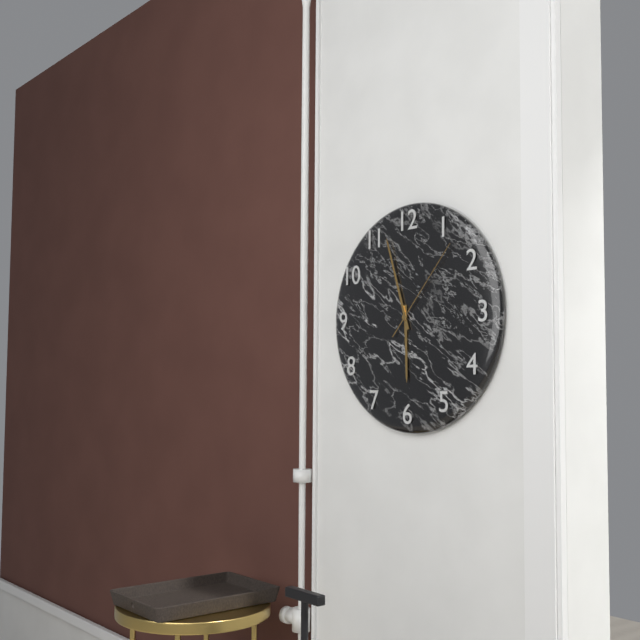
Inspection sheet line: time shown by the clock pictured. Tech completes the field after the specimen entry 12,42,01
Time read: 5,57,07
